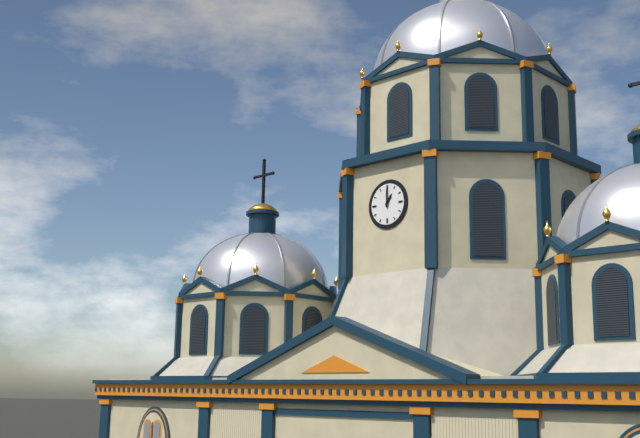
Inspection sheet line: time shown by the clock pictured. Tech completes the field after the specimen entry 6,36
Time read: 1,00
